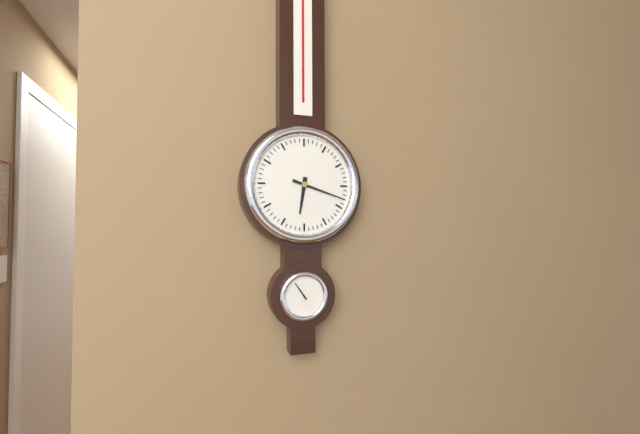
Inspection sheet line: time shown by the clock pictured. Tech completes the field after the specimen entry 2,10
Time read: 6,18
